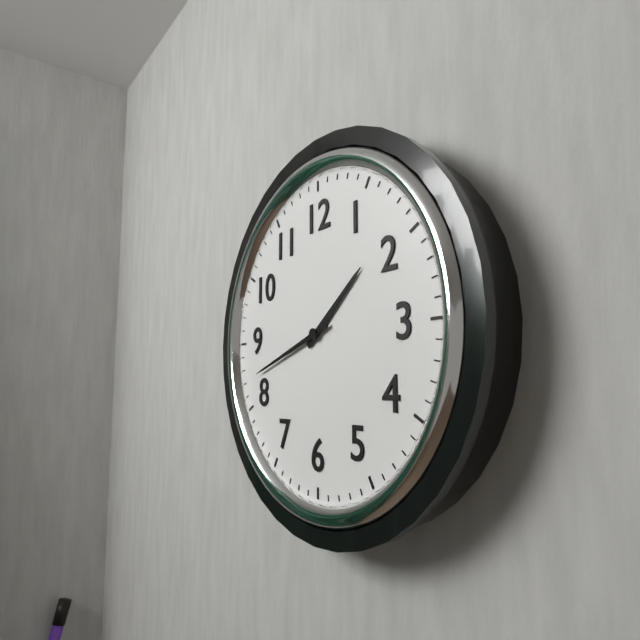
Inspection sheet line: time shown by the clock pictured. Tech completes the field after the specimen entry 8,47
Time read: 1,42
